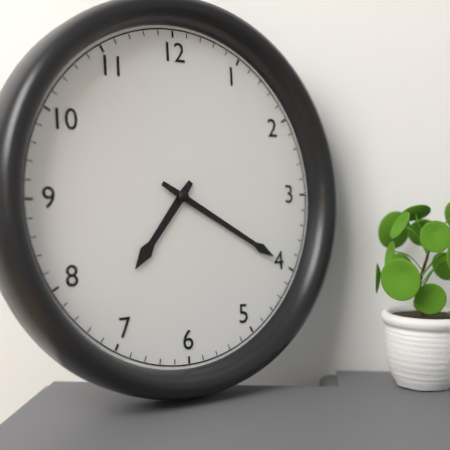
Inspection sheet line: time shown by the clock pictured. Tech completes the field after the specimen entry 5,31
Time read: 7,20
